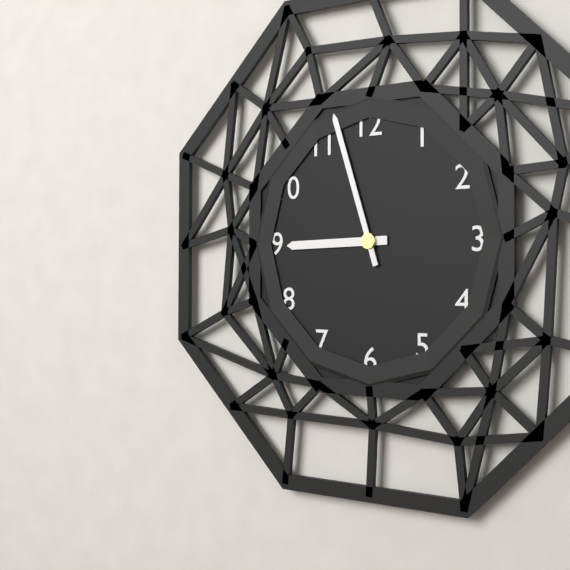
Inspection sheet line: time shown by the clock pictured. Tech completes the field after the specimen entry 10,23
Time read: 8,57
